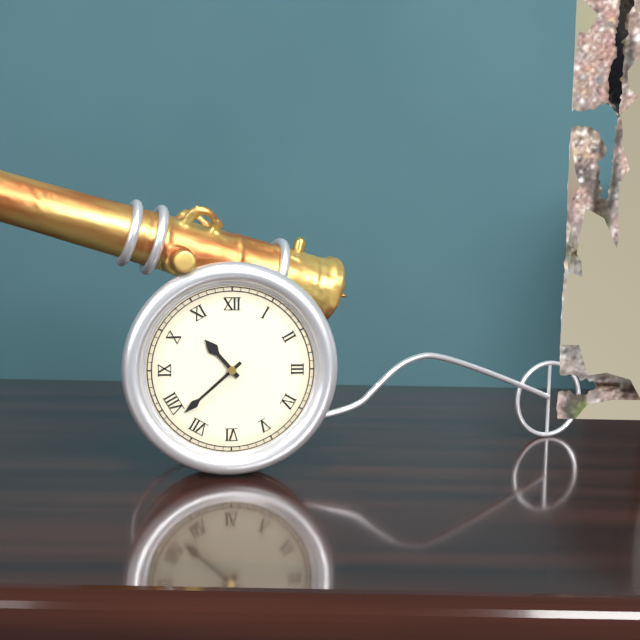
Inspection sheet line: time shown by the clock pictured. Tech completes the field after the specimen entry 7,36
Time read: 10,38
